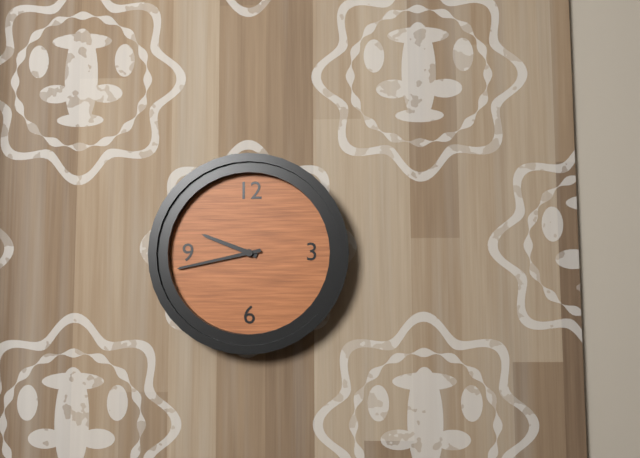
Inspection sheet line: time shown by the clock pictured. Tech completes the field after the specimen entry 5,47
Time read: 9,43
